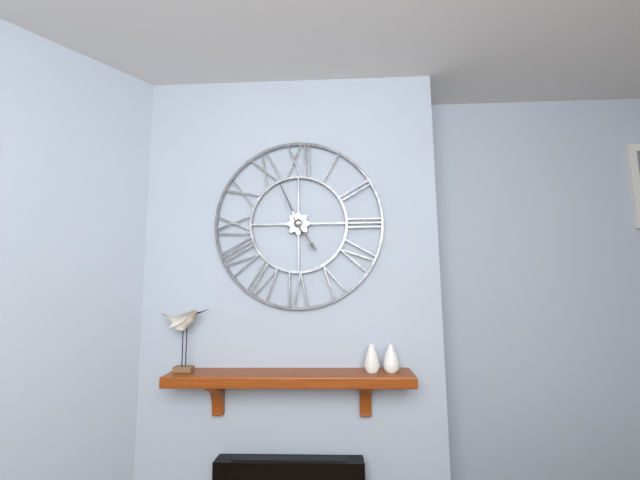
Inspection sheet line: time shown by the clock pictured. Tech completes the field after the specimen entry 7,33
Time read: 4,56
